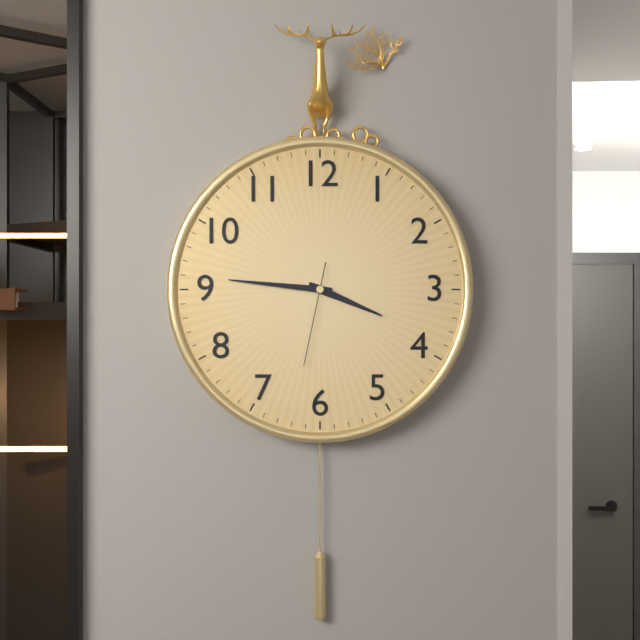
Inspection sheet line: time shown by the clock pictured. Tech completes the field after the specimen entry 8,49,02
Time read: 3,46,32
